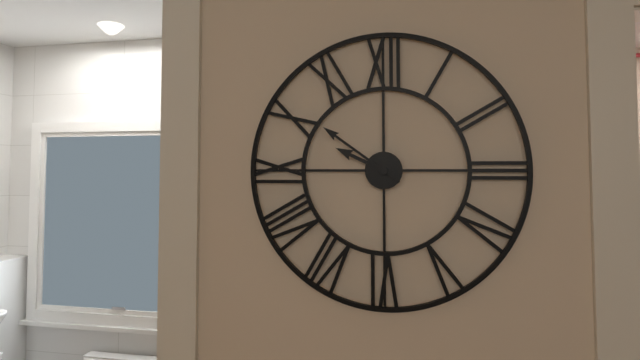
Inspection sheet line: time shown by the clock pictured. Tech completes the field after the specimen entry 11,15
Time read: 9,51
